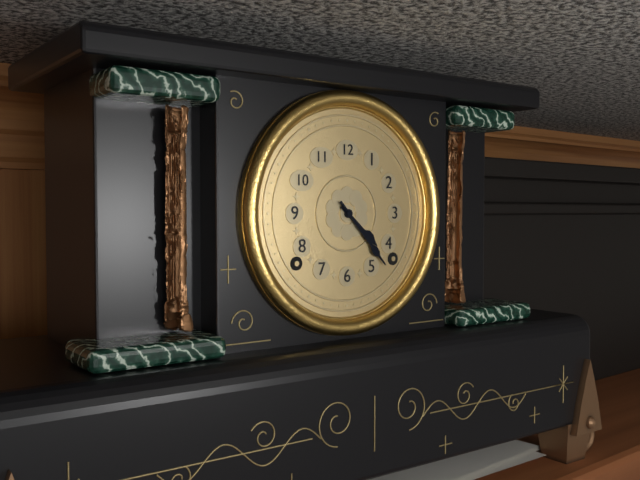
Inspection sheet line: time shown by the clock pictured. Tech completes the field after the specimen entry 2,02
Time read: 4,23
